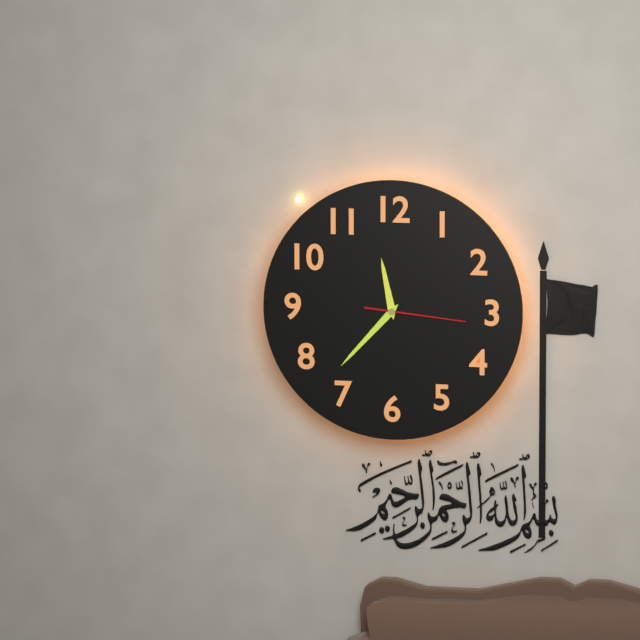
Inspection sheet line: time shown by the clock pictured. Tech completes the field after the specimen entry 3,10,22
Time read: 11,37,16
